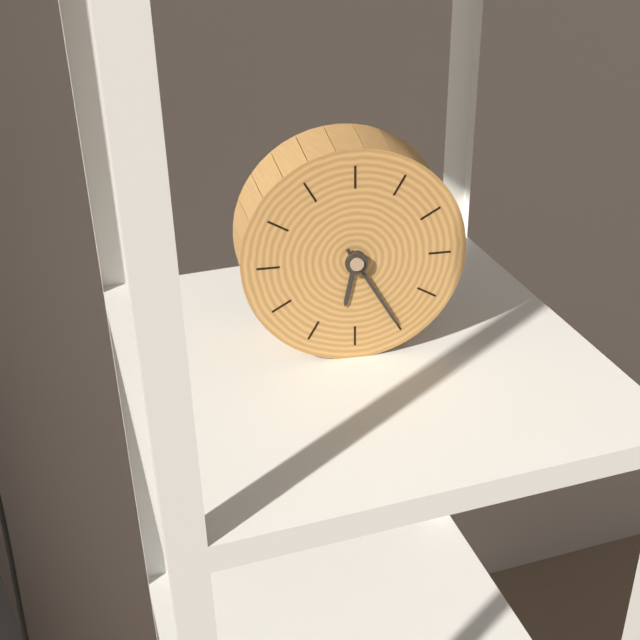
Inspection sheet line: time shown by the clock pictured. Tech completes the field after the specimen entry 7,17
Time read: 6,25
